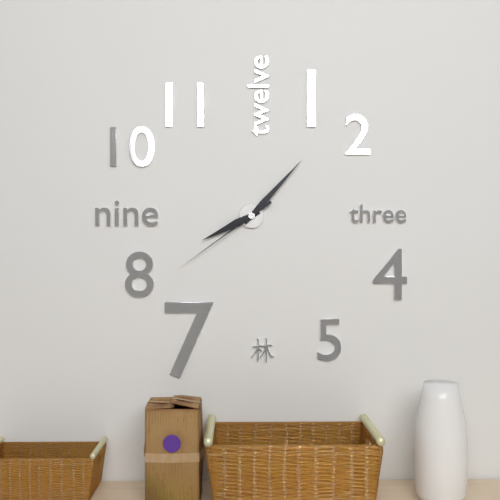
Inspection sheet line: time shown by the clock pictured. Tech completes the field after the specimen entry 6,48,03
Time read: 8,07,39
